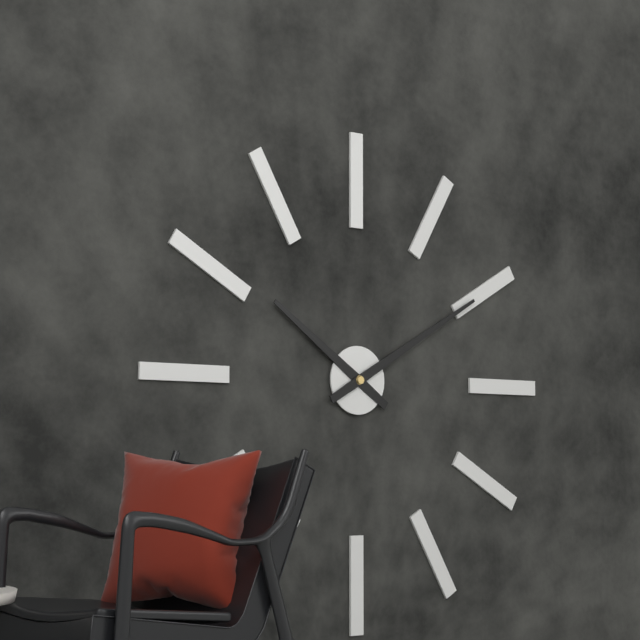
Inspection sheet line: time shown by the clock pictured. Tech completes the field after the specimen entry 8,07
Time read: 10,10
